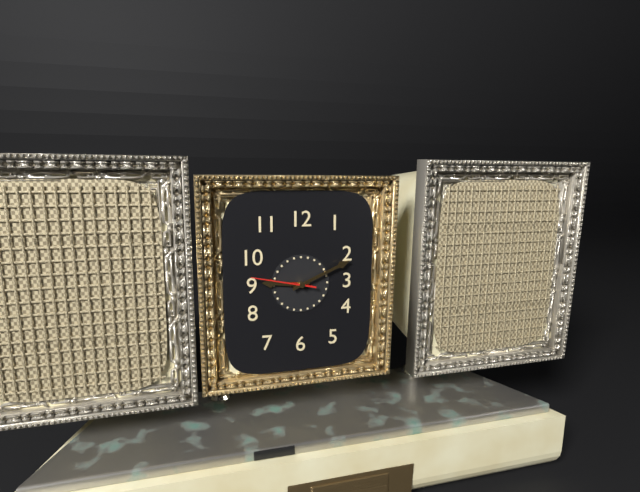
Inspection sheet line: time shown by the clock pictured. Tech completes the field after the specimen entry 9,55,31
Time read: 9,11,47
